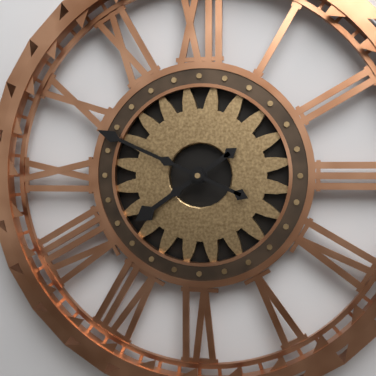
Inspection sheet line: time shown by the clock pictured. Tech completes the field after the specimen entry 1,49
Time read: 7,49
